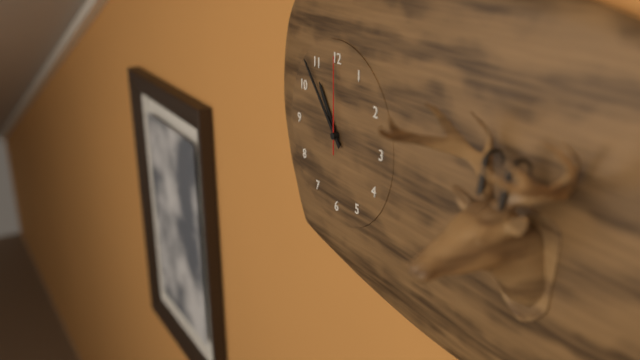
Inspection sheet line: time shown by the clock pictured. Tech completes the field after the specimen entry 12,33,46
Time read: 10,53,00
